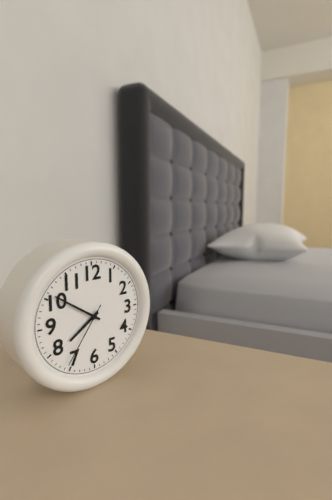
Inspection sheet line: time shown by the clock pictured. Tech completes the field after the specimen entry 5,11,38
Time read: 7,51,36
